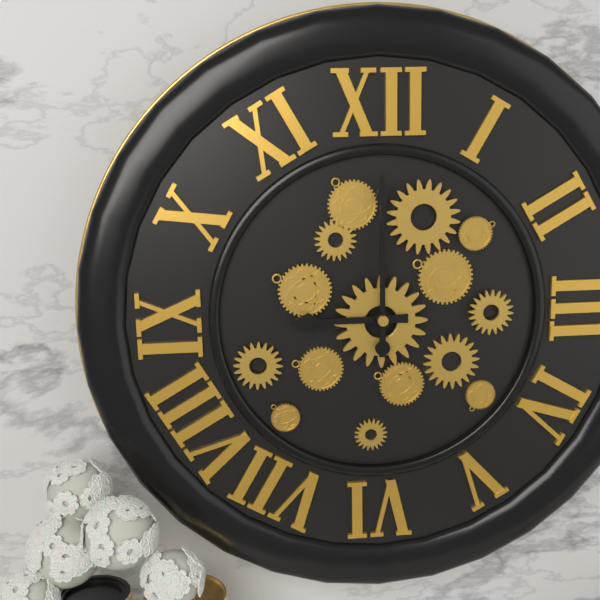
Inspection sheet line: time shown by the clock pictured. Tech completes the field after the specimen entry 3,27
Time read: 9,00
